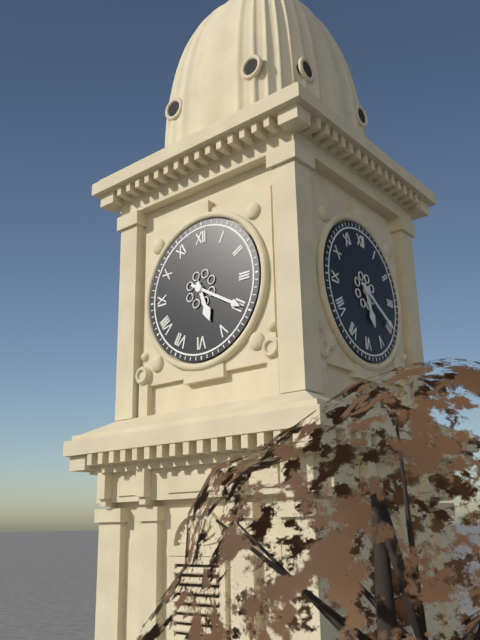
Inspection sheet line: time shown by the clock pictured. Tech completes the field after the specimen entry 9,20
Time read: 5,20
